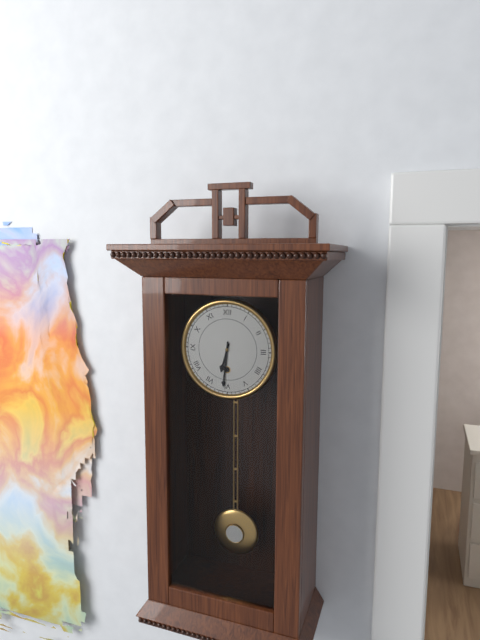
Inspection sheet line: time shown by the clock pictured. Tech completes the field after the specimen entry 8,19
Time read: 6,31
